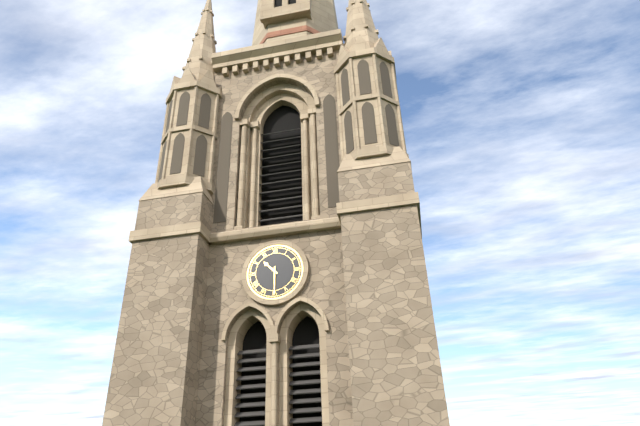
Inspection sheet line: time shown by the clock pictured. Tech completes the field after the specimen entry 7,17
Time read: 10,30
